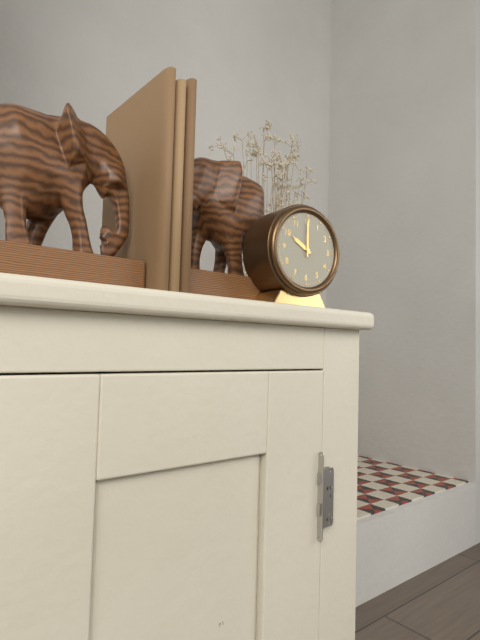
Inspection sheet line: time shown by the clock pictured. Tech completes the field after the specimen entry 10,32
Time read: 10,00
